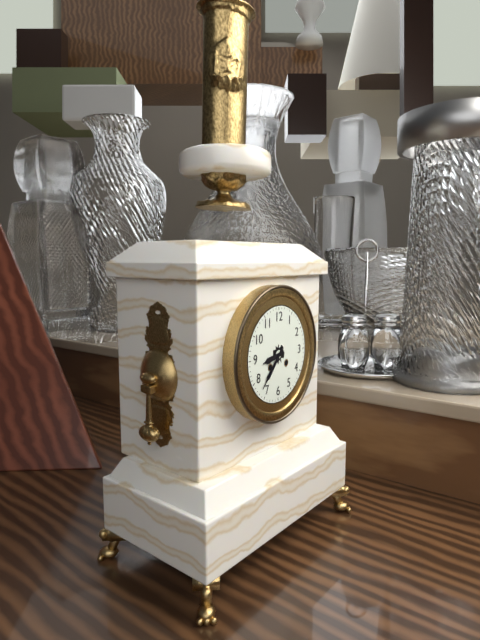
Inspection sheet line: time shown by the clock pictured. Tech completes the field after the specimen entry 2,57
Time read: 8,37
